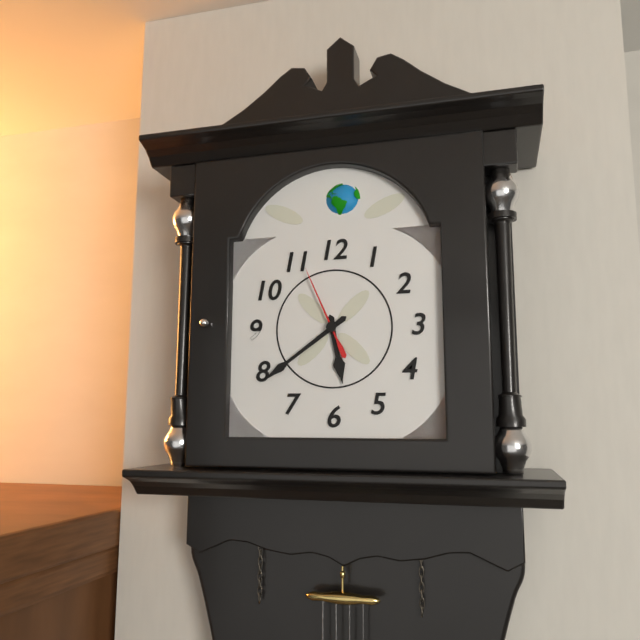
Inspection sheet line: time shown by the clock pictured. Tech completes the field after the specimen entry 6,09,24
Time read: 5,39,56
